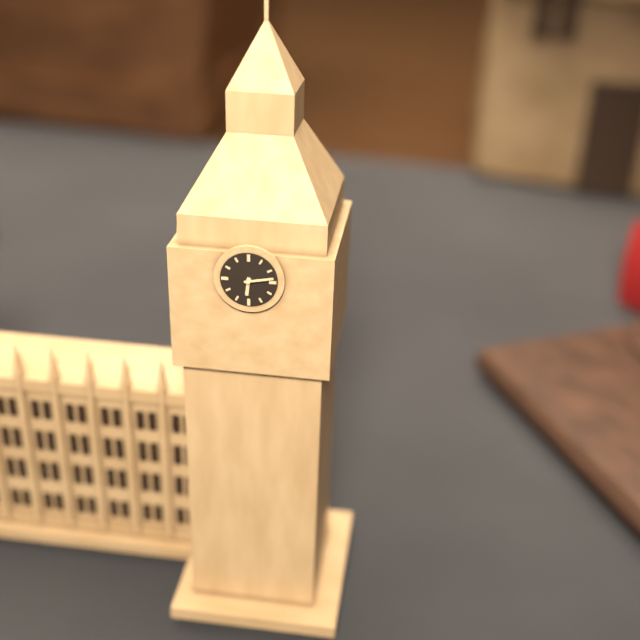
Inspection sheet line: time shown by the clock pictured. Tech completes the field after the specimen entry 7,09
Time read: 6,13
